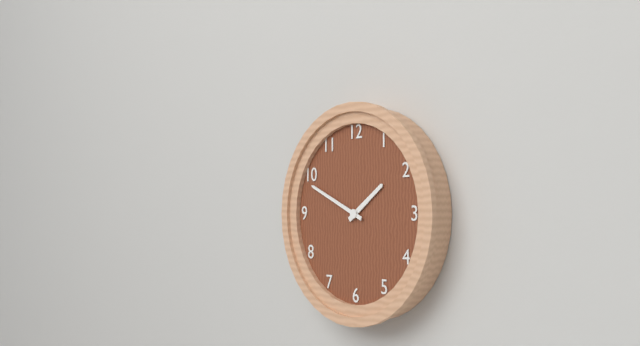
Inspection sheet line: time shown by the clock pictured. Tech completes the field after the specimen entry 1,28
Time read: 1,49
